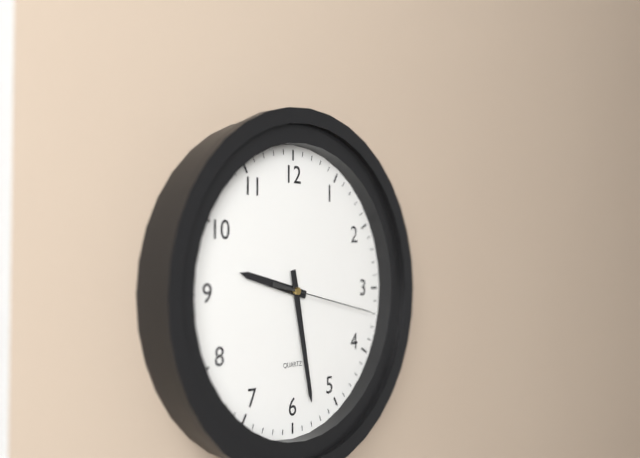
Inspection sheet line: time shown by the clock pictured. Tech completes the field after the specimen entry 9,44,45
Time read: 9,28,17
